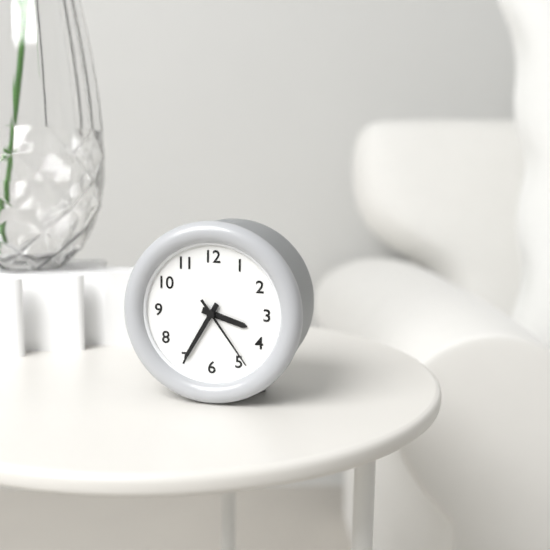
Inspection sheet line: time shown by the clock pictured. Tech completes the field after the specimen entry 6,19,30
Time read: 3,35,24
